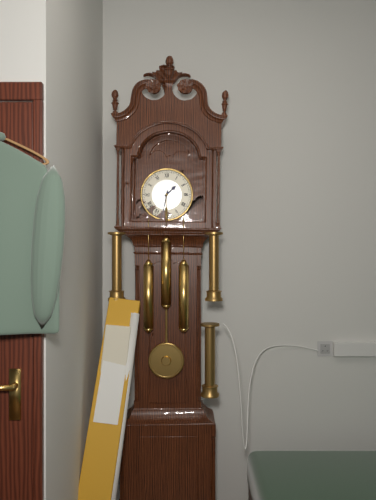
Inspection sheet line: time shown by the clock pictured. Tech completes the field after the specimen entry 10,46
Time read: 1,32
